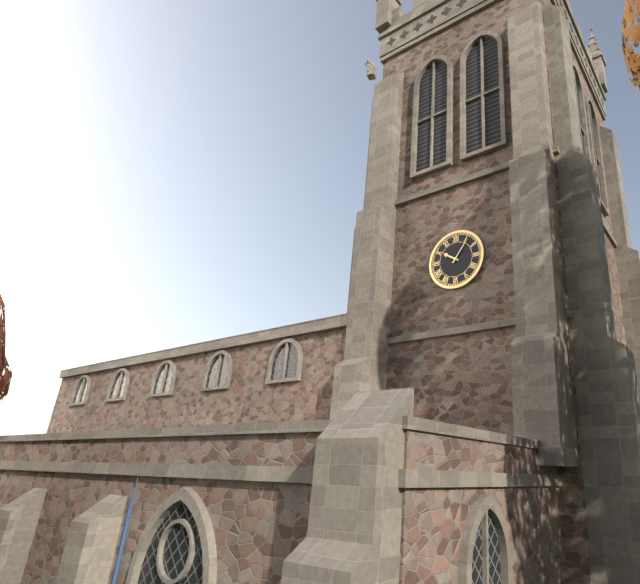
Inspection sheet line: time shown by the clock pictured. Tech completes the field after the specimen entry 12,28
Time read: 10,06
